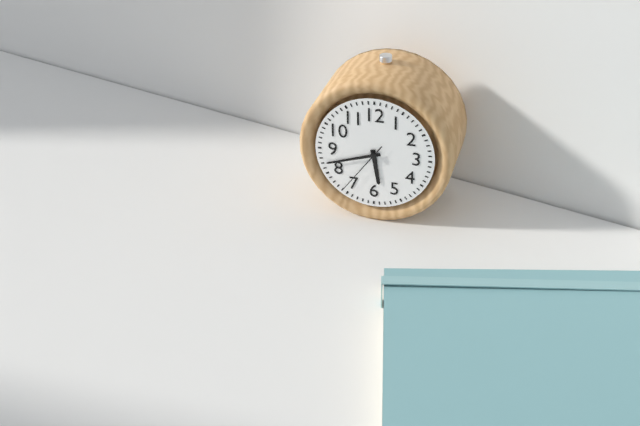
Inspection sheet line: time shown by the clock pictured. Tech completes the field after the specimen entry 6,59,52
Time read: 5,42,36
